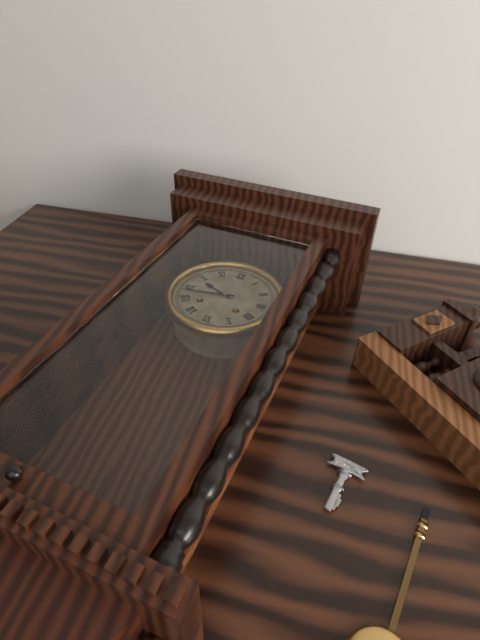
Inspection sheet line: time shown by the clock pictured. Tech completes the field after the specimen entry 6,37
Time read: 9,43
